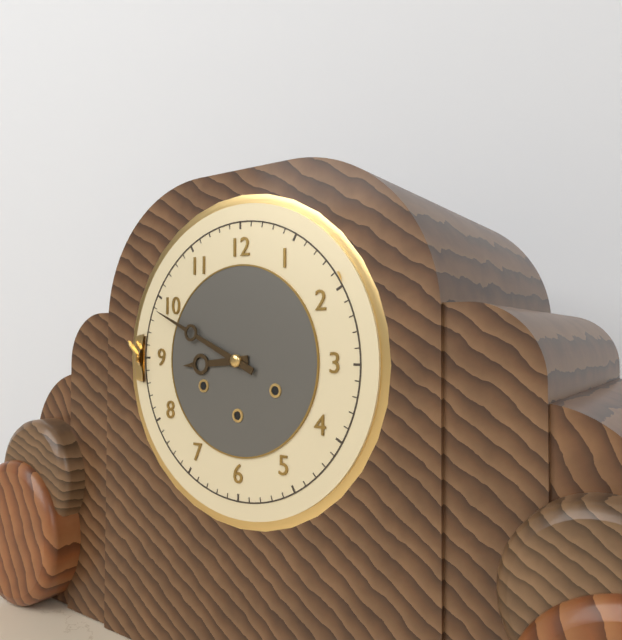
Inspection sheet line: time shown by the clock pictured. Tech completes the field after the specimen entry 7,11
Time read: 8,49
